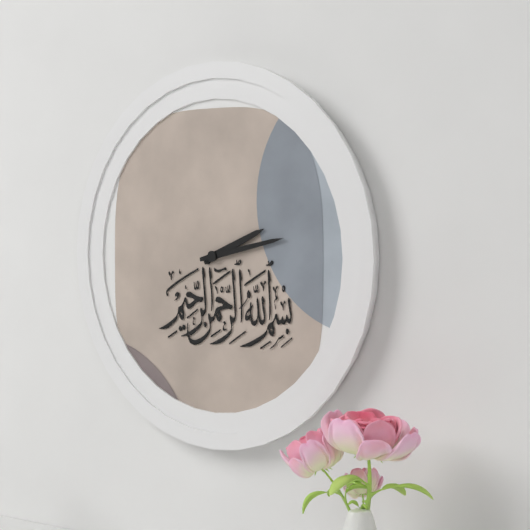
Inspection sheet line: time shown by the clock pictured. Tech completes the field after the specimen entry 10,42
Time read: 2,13
